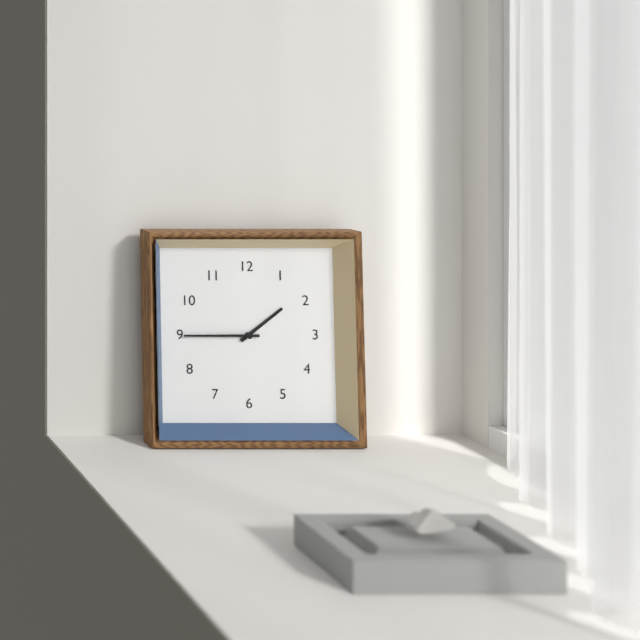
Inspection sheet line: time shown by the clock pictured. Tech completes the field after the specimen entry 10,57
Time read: 1,45
